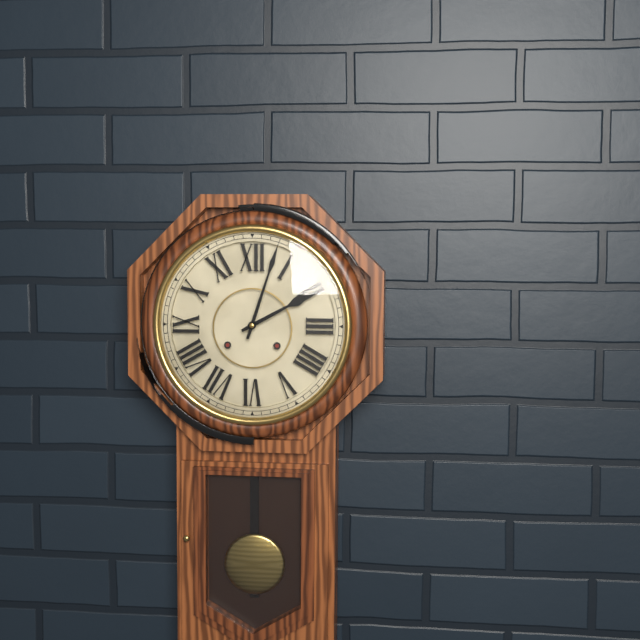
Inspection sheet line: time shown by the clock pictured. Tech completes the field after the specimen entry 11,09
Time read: 2,03
